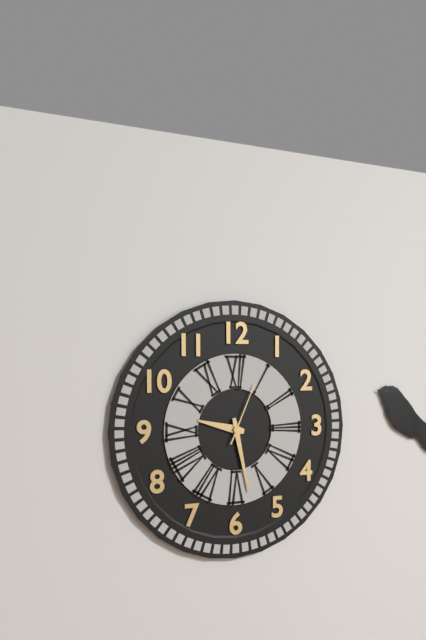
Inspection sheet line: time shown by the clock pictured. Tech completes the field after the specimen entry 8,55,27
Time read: 9,28,04
